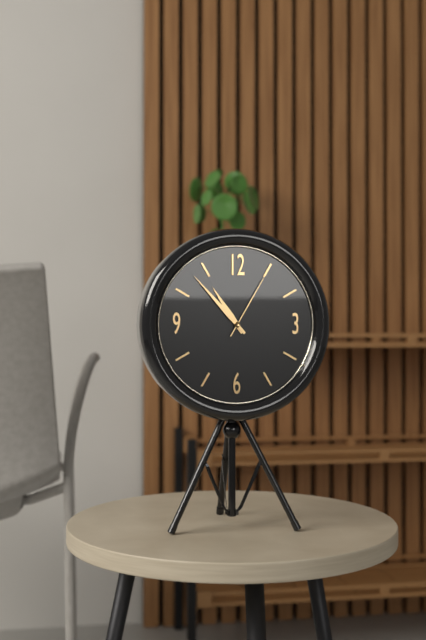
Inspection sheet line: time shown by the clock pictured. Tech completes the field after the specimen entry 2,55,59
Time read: 10,53,05
